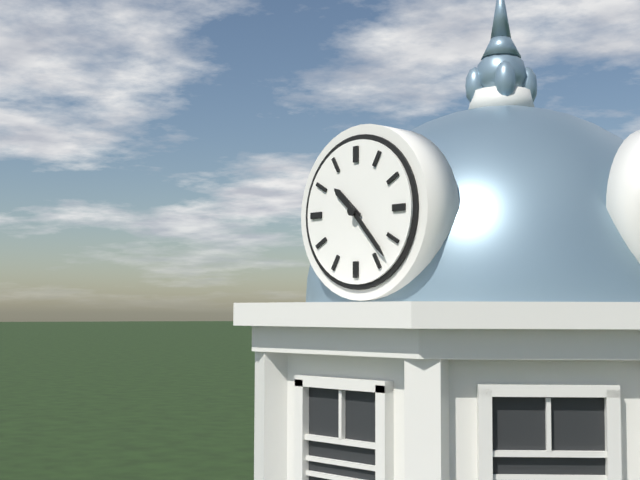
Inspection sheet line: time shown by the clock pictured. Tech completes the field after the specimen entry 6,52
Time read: 10,23
